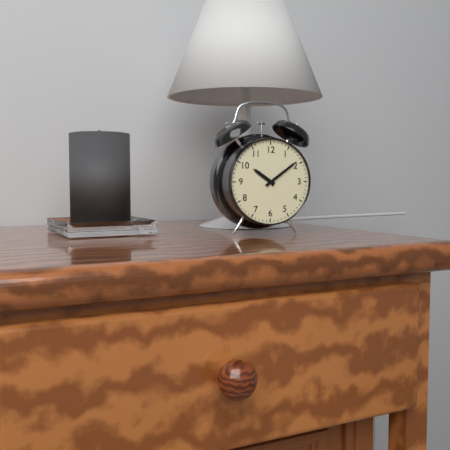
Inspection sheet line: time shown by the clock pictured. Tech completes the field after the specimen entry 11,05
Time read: 10,09
